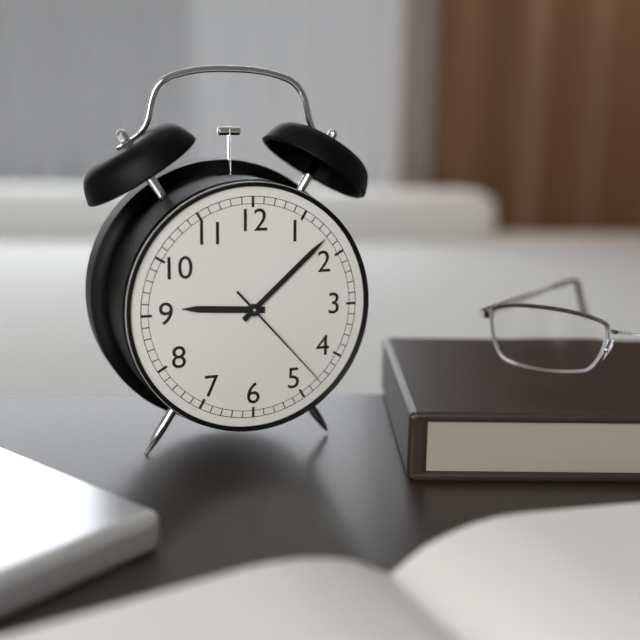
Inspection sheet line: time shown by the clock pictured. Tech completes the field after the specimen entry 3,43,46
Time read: 9,08,23
